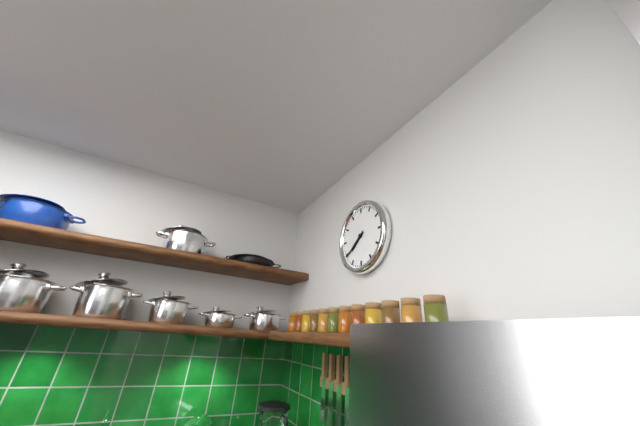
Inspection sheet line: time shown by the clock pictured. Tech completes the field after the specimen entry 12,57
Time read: 7,39
